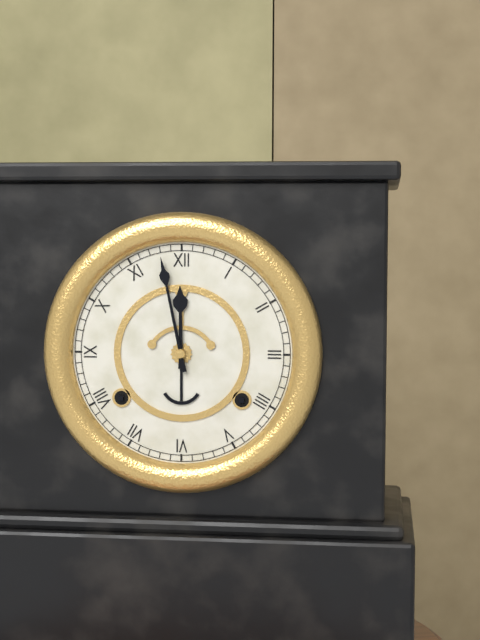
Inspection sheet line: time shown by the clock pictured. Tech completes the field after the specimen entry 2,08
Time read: 11,58
